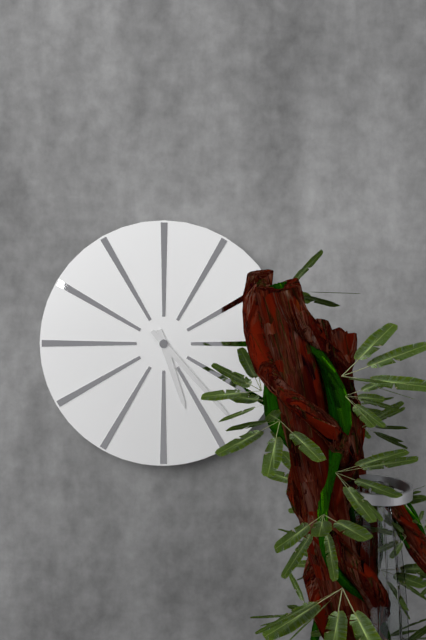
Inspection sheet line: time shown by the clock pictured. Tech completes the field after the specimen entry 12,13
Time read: 5,23
